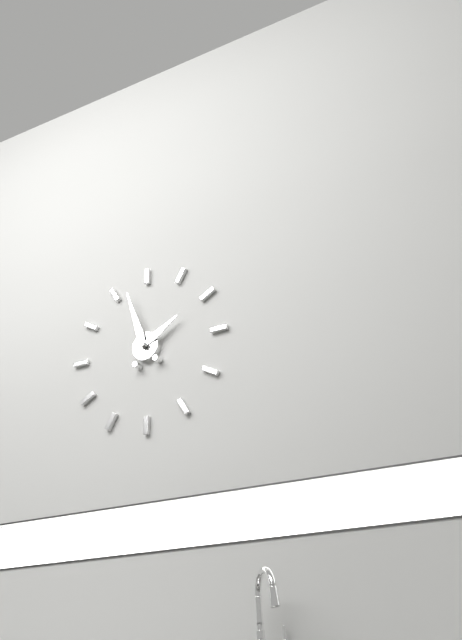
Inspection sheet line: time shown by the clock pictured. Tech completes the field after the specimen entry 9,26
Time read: 1,57
